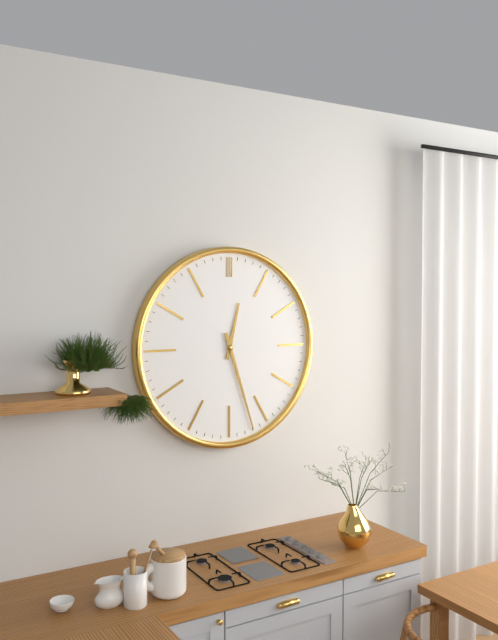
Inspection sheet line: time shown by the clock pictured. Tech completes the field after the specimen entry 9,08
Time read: 12,27
